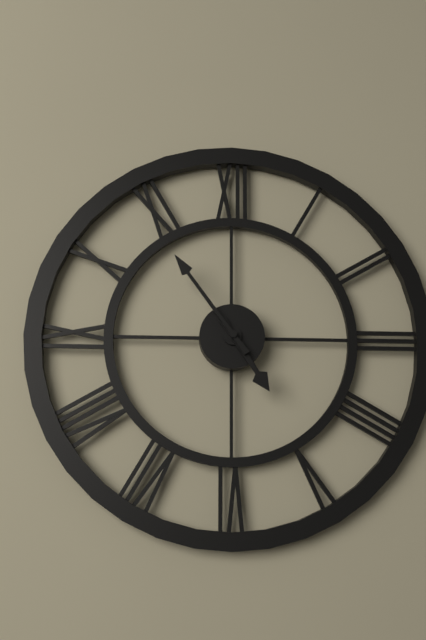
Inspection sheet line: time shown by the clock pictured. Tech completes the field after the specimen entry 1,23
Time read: 4,54
